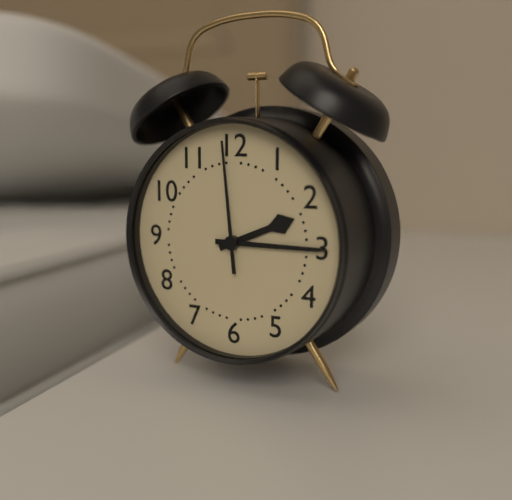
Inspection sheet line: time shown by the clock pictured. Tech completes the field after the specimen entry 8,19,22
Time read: 2,15,59
